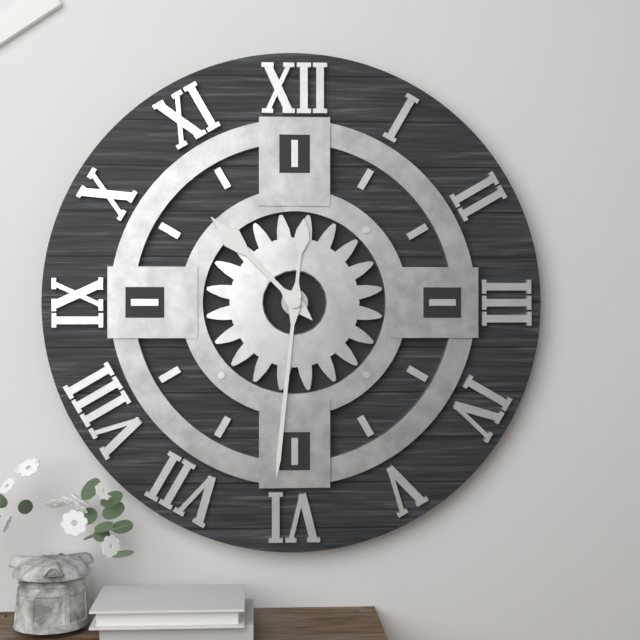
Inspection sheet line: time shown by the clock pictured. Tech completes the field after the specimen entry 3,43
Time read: 10,31
